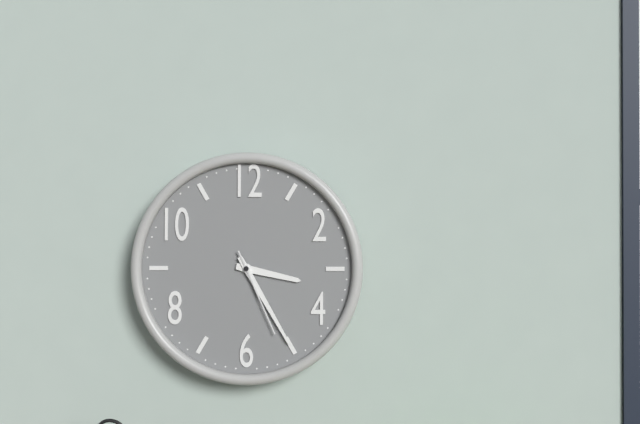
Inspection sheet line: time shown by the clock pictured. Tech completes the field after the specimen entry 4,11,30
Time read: 3,25,26
